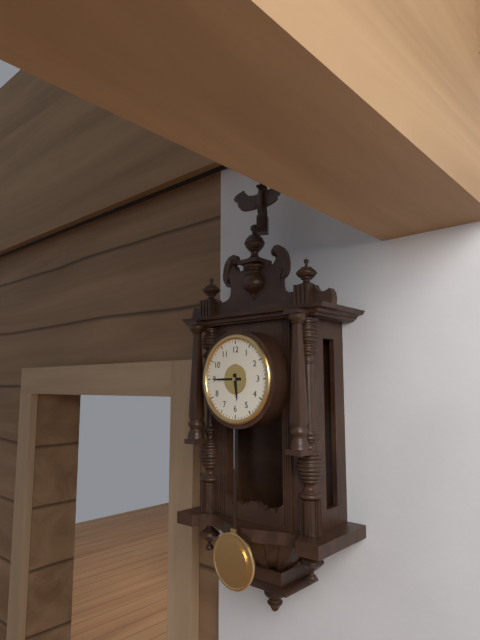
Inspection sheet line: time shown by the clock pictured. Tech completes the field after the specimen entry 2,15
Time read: 5,45
